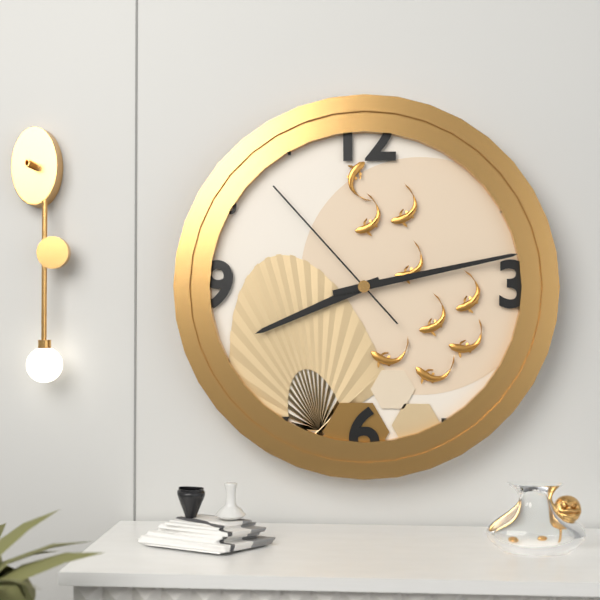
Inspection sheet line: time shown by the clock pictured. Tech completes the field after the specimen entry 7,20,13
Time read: 8,13,53
